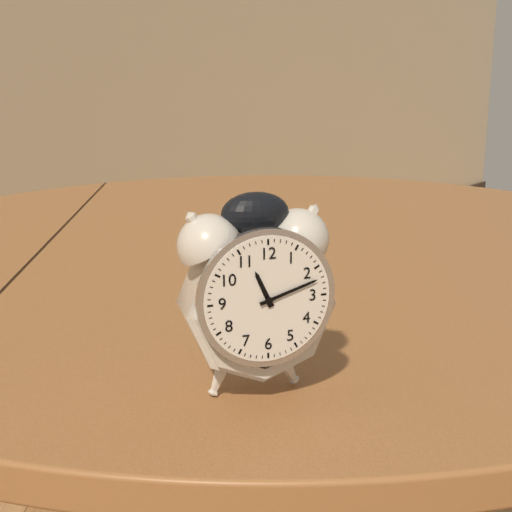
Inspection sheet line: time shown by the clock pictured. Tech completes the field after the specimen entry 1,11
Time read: 11,12
